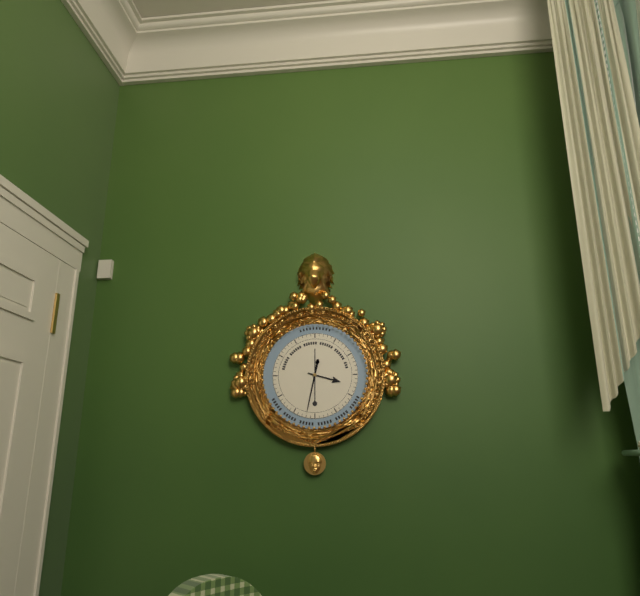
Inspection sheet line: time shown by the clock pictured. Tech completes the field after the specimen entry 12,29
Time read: 3,32
